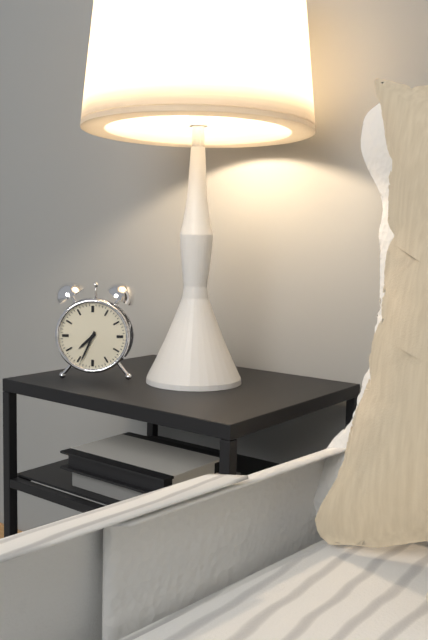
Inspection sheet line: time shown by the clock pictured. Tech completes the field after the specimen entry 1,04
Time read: 7,34
